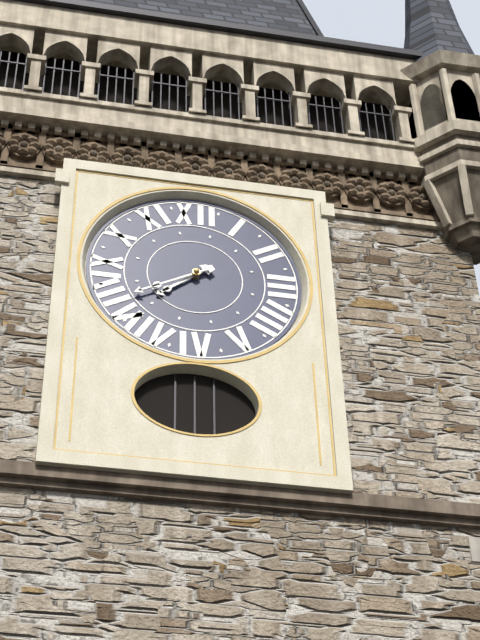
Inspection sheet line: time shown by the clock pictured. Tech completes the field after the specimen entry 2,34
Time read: 7,40
